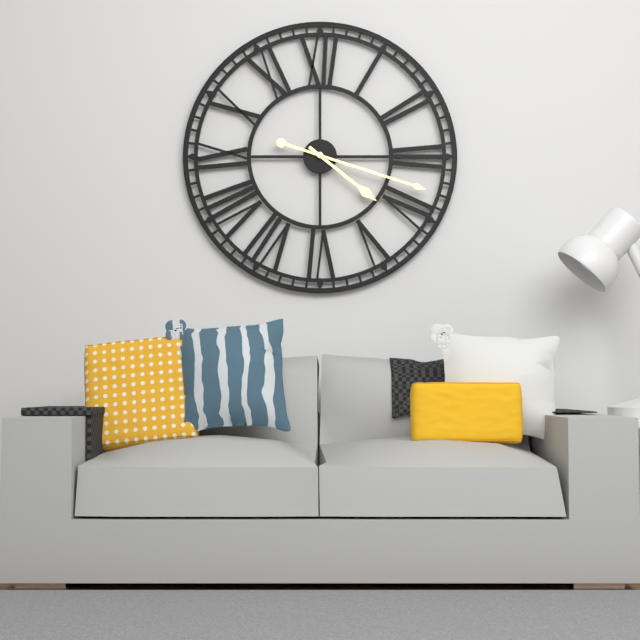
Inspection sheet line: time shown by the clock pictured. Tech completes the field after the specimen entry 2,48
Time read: 4,18
